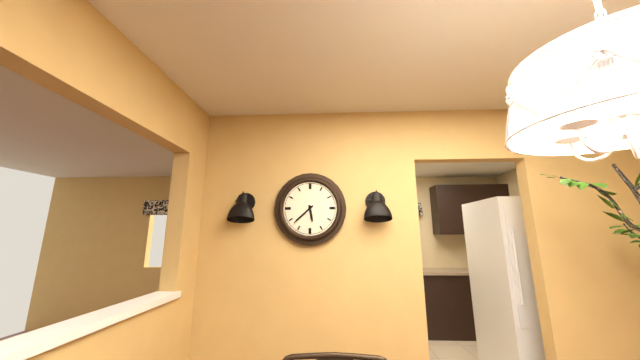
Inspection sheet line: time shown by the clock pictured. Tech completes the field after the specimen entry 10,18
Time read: 5,38
